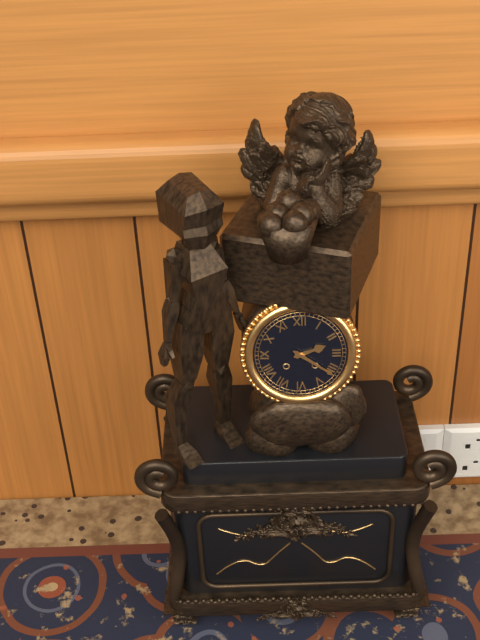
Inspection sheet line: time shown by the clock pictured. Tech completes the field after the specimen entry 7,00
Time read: 2,21
